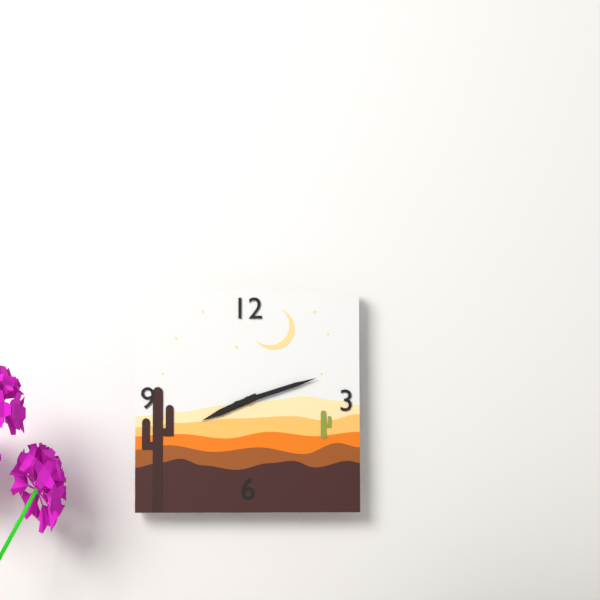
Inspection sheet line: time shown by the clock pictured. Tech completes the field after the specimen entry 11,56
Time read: 8,12
